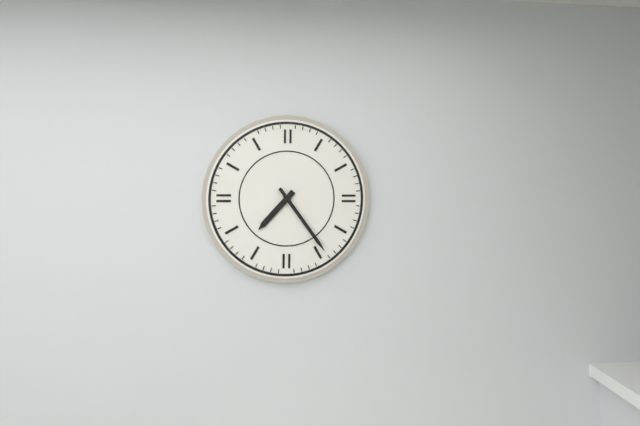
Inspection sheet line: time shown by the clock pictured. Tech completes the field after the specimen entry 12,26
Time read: 7,24
